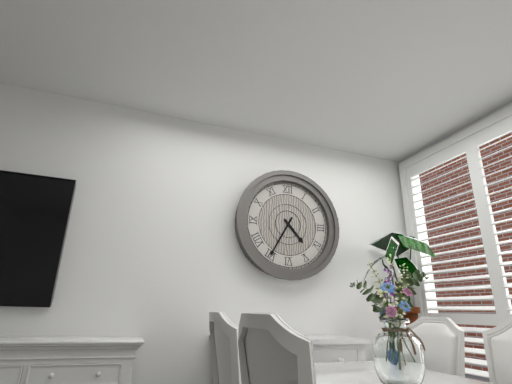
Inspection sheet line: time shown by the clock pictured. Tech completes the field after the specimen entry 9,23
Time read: 4,35
